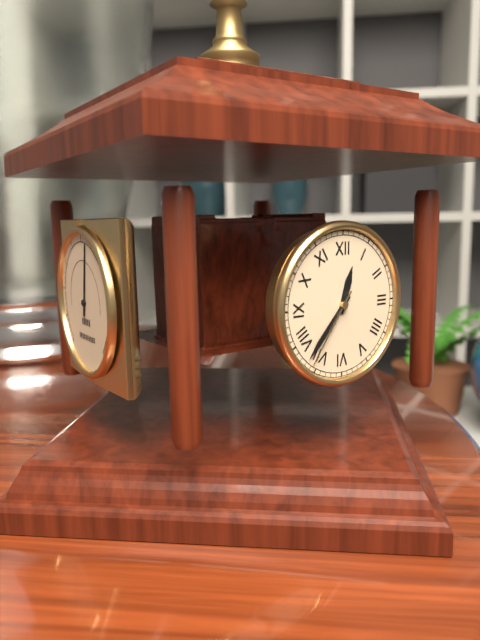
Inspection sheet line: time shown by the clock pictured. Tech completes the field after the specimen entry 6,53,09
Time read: 12,37,36
